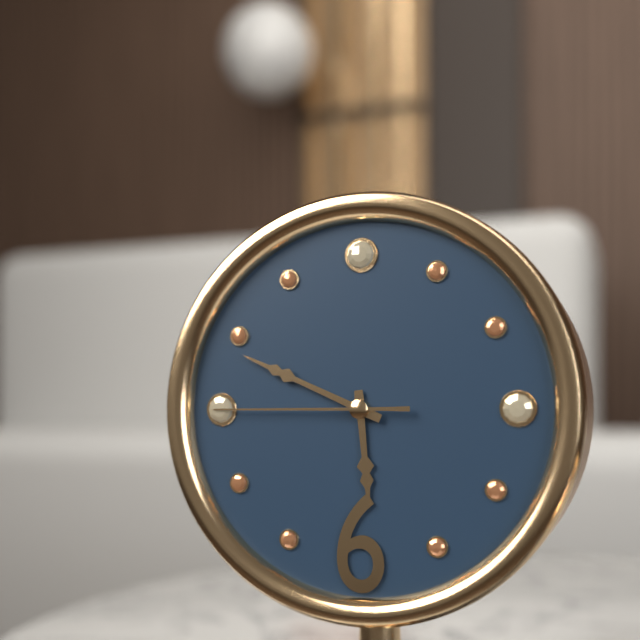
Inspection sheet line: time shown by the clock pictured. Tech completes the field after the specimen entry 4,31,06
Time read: 5,49,45
